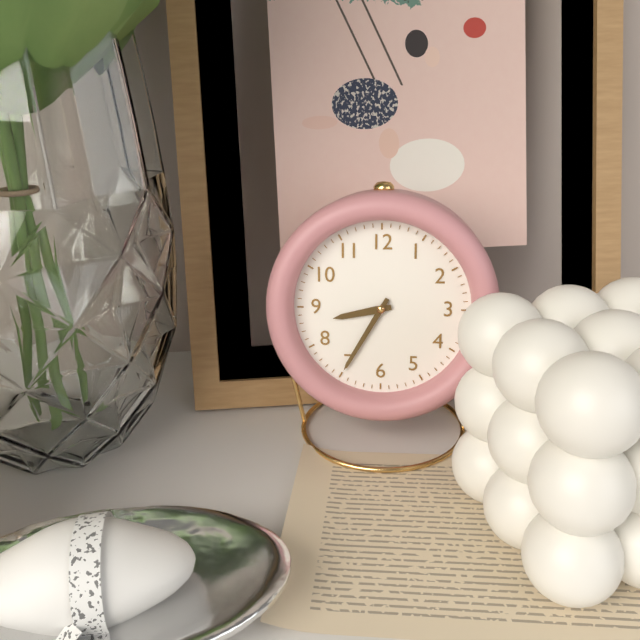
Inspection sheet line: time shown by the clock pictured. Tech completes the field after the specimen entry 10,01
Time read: 8,35
